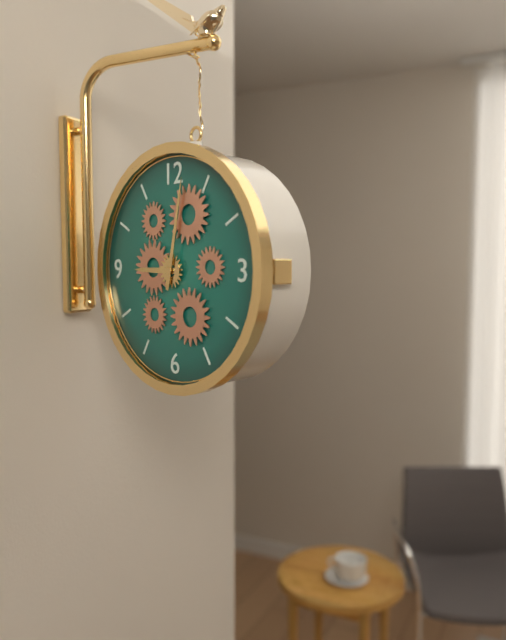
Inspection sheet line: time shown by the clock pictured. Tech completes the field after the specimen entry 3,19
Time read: 9,02
